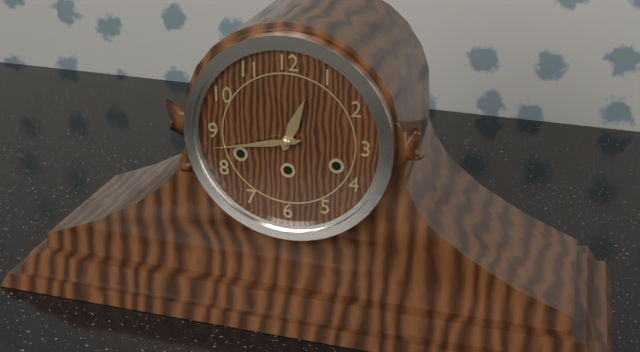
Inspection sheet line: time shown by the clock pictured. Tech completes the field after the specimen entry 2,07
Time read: 12,43
